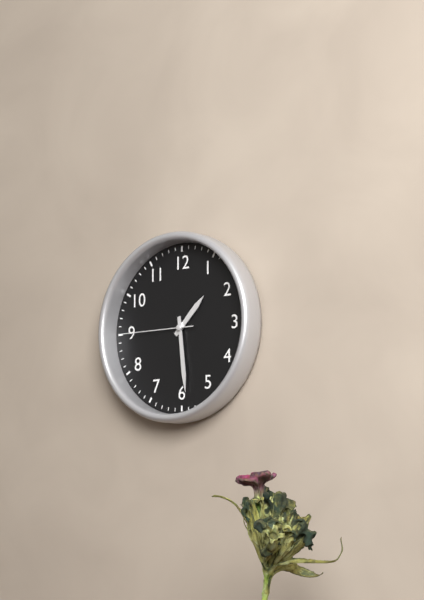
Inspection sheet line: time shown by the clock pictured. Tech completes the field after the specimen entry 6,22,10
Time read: 1,29,45
